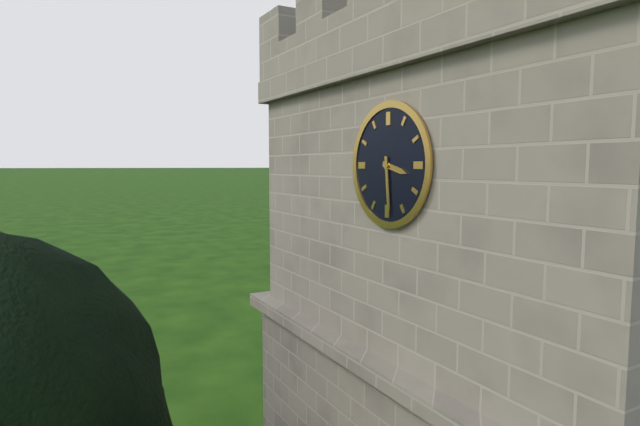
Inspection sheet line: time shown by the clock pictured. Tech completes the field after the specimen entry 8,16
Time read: 3,29
